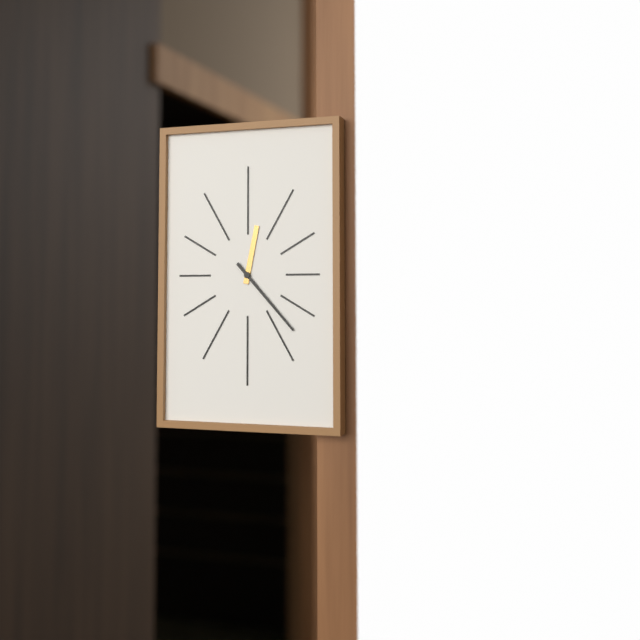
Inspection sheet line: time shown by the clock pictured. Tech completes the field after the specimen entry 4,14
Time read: 12,23
